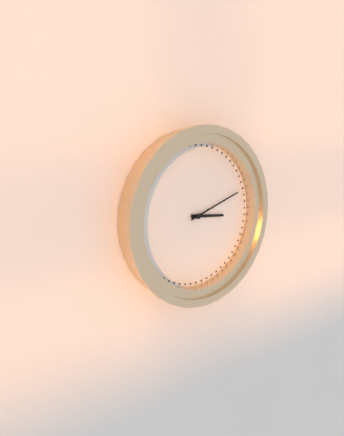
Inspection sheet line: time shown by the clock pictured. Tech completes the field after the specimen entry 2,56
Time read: 3,12
